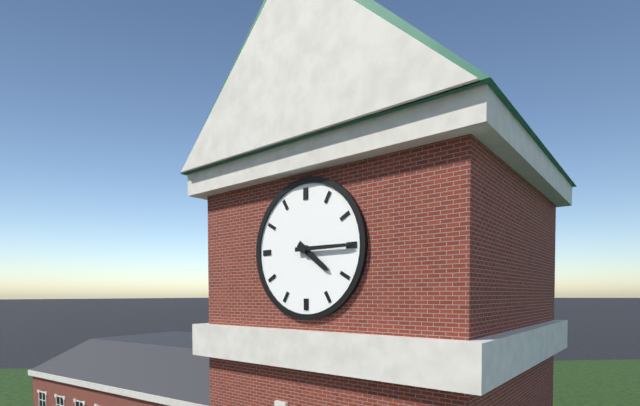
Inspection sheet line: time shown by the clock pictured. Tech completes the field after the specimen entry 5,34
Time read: 4,15
